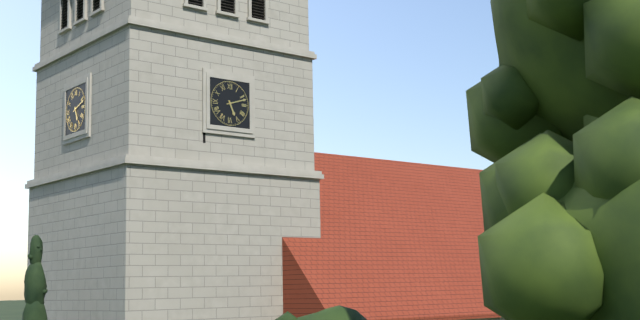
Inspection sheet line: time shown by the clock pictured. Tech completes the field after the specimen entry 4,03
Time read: 5,12
